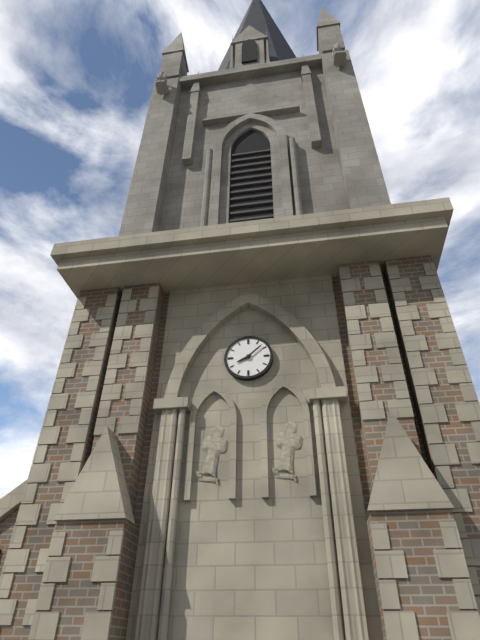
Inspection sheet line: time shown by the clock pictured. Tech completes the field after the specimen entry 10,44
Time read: 8,08
